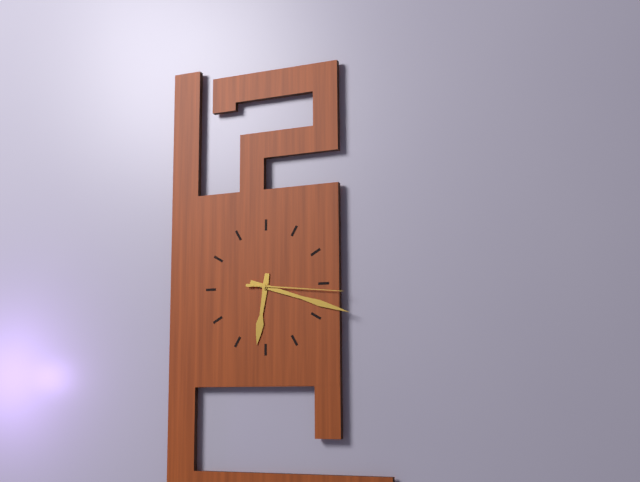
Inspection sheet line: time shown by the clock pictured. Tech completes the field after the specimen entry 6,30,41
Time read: 6,18,16
